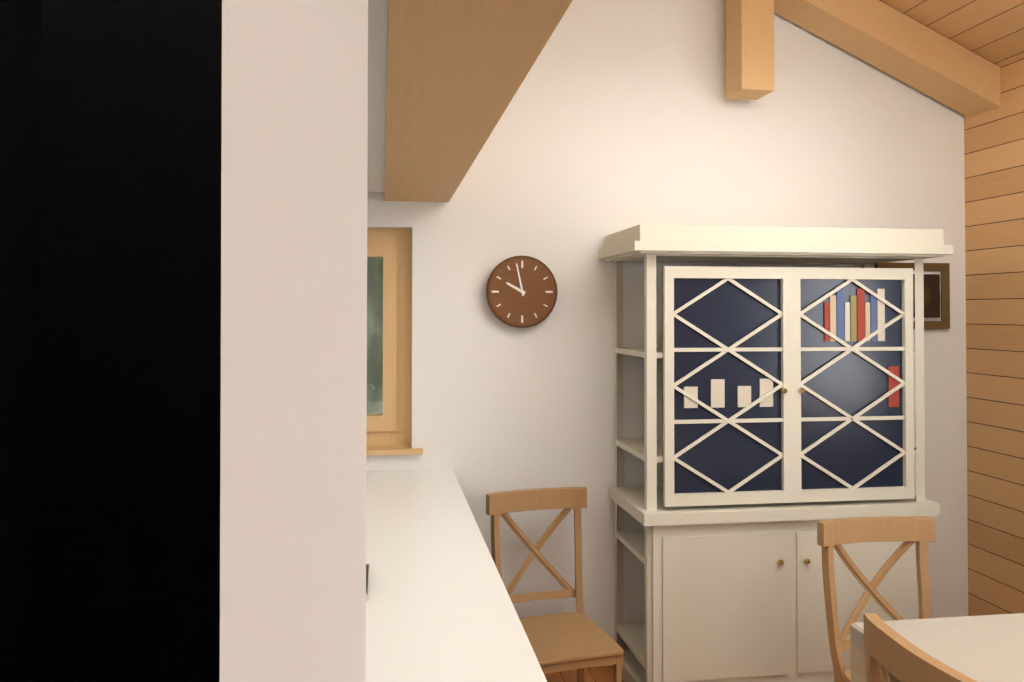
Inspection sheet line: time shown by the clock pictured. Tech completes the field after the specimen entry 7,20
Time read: 9,58
